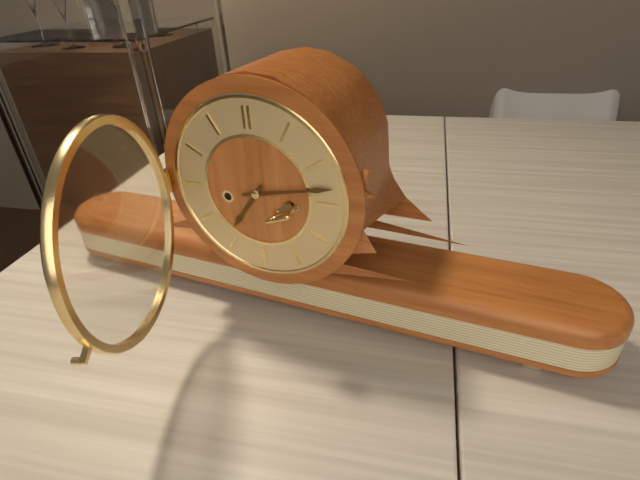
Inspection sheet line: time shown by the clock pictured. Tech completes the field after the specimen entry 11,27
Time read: 7,13
